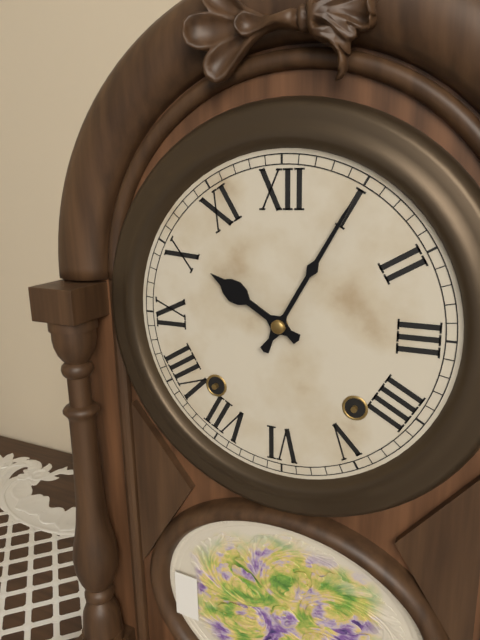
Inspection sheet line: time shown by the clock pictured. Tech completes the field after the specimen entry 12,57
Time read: 10,05
